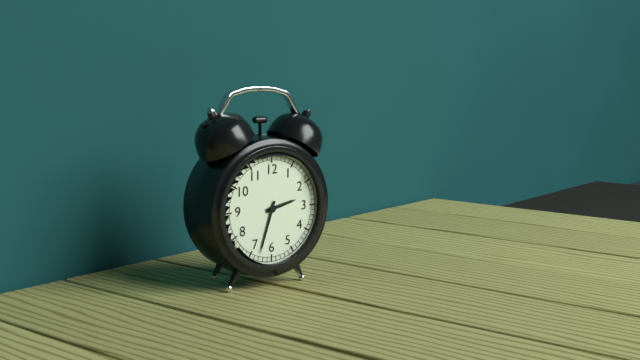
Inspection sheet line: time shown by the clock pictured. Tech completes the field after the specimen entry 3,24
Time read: 2,33
